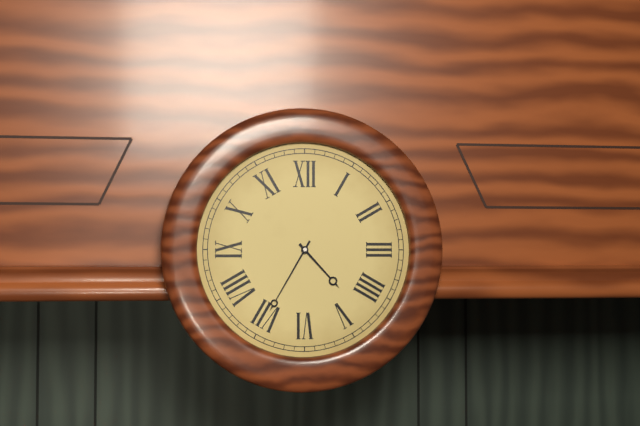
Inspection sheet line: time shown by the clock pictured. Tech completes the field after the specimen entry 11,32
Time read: 4,35
